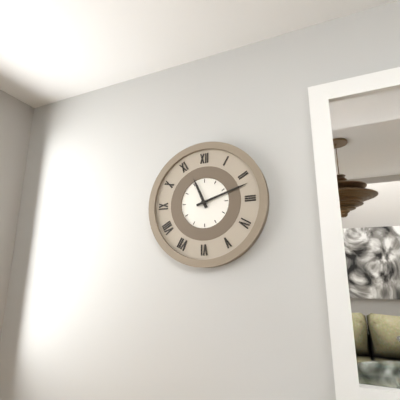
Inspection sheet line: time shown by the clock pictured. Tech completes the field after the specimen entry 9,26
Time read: 11,12
